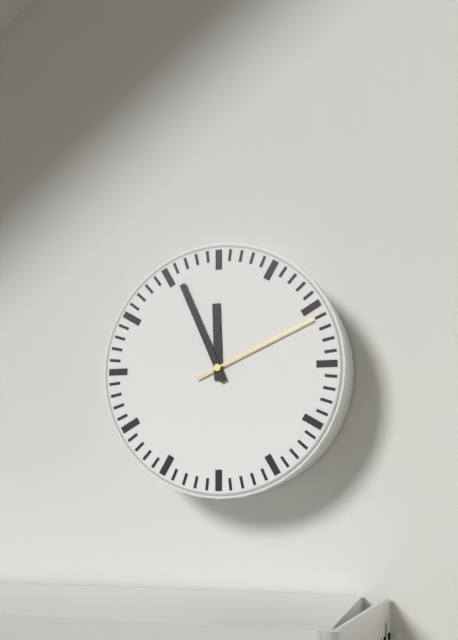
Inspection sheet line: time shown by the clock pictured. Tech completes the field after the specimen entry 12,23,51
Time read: 11,56,11
